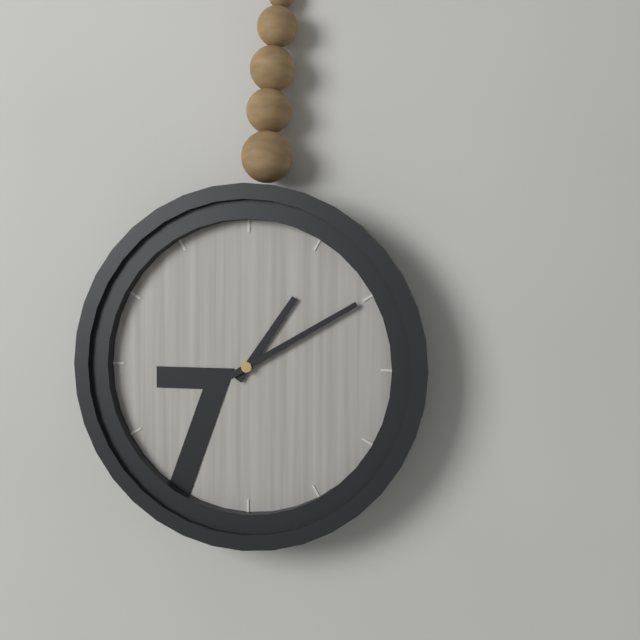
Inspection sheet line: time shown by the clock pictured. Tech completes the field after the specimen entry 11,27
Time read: 1,10
